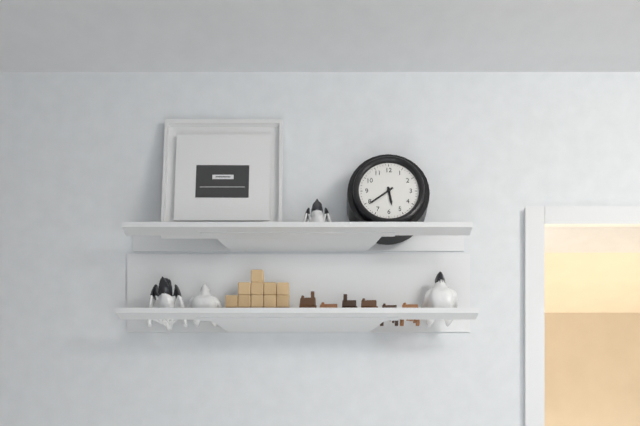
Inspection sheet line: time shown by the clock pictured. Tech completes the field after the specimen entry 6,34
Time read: 5,39
